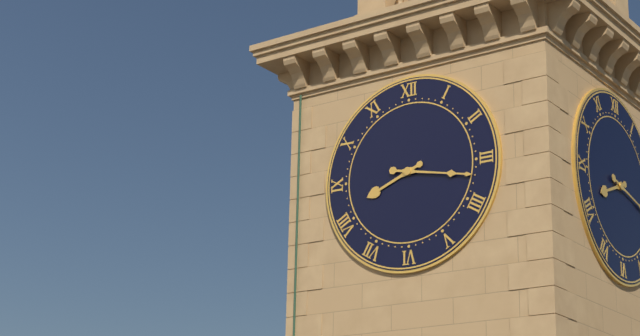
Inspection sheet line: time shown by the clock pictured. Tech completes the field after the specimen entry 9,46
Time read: 8,17
